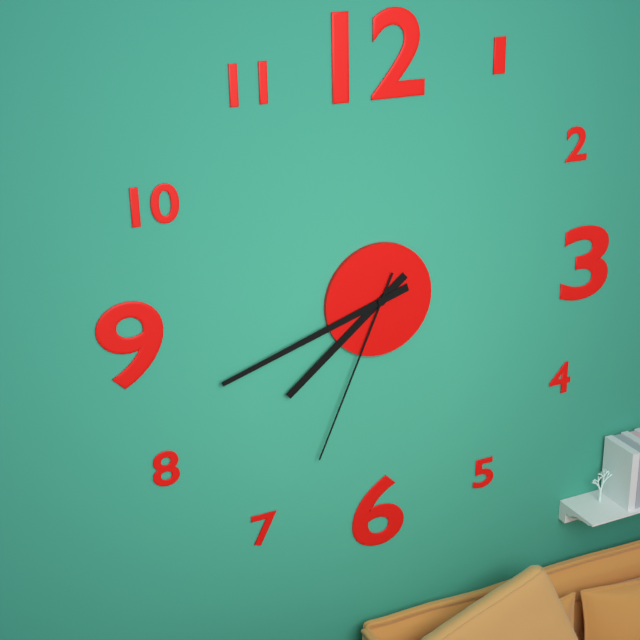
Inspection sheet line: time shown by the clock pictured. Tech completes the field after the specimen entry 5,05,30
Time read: 7,42,34
